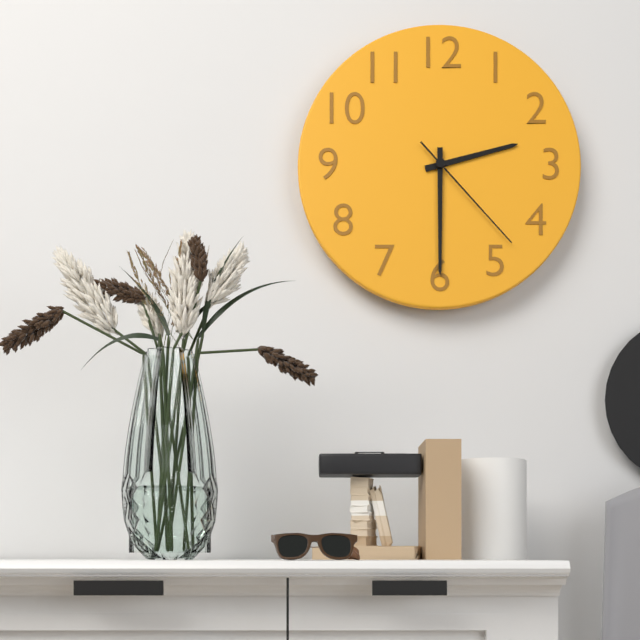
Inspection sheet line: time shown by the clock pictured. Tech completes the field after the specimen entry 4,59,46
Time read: 2,30,23
